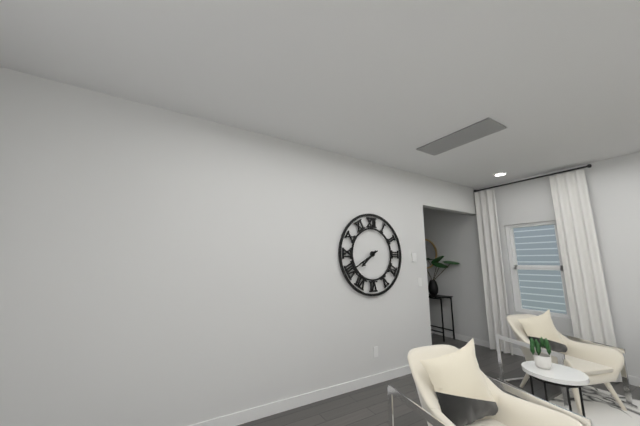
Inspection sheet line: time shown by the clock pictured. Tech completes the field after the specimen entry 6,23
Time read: 7,40
